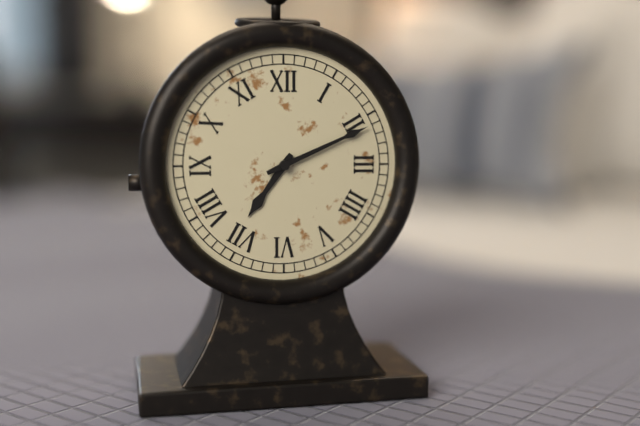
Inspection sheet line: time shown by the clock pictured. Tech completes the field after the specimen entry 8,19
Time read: 7,11
